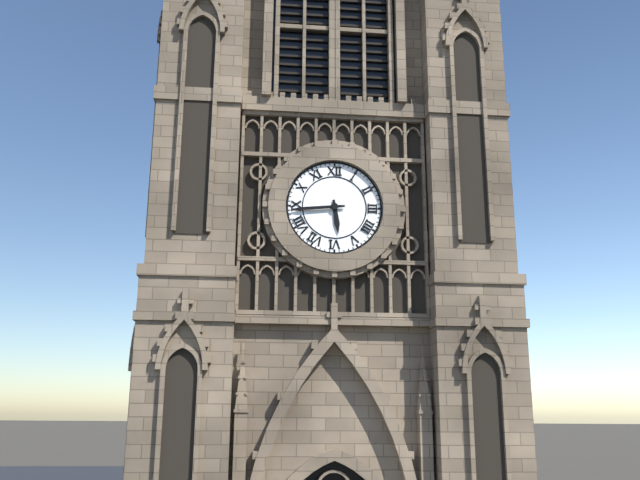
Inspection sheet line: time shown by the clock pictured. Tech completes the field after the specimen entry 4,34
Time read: 5,44
